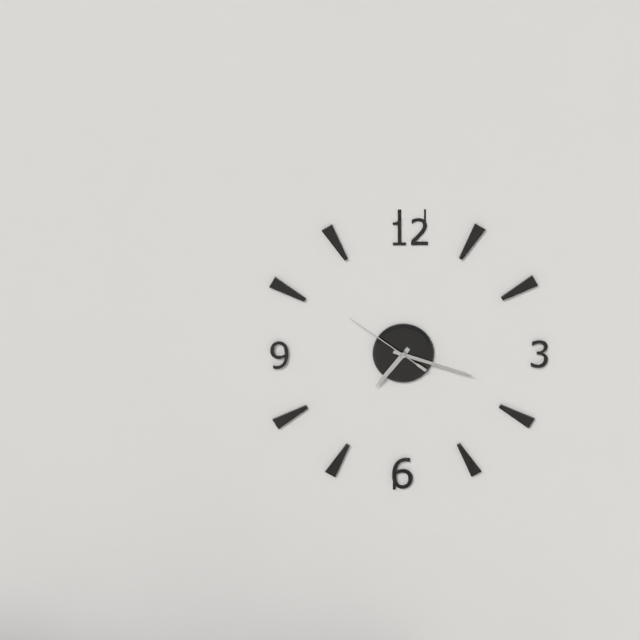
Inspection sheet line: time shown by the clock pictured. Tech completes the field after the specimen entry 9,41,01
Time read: 7,18,51
